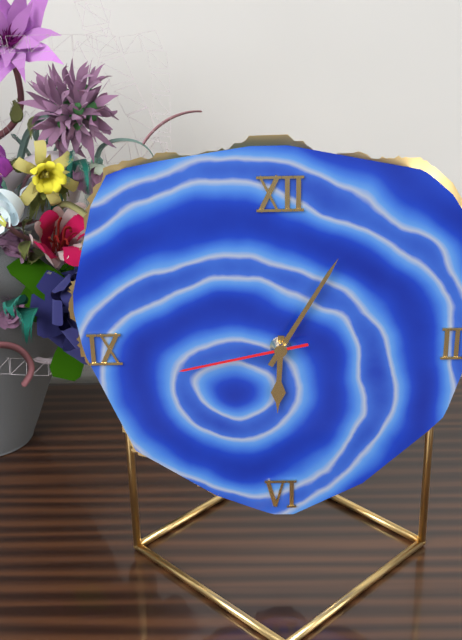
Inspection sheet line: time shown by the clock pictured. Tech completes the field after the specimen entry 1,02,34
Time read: 6,05,43
